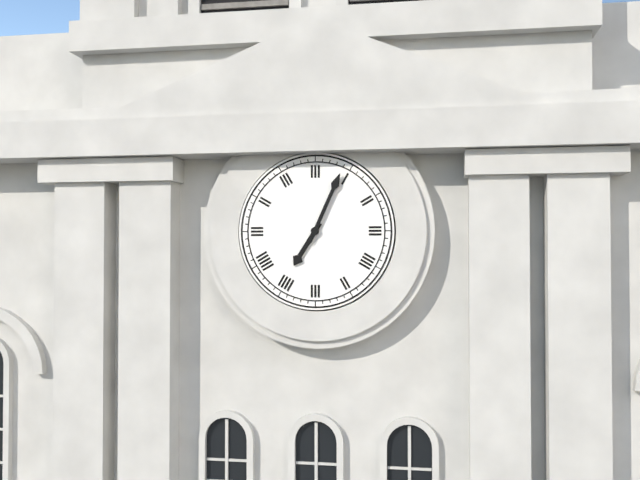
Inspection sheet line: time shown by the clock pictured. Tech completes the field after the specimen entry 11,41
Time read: 7,04
